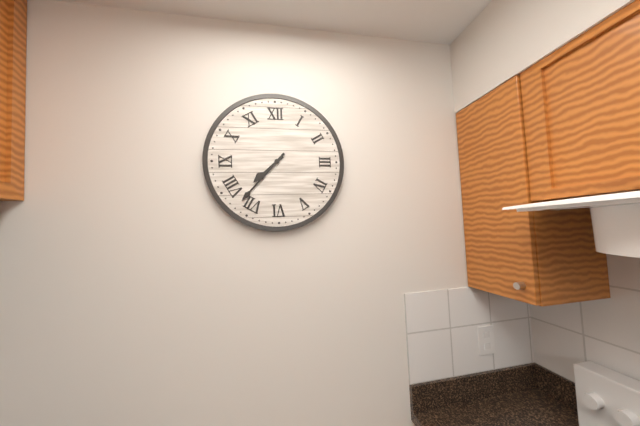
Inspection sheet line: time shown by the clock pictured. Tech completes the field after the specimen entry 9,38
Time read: 7,37
